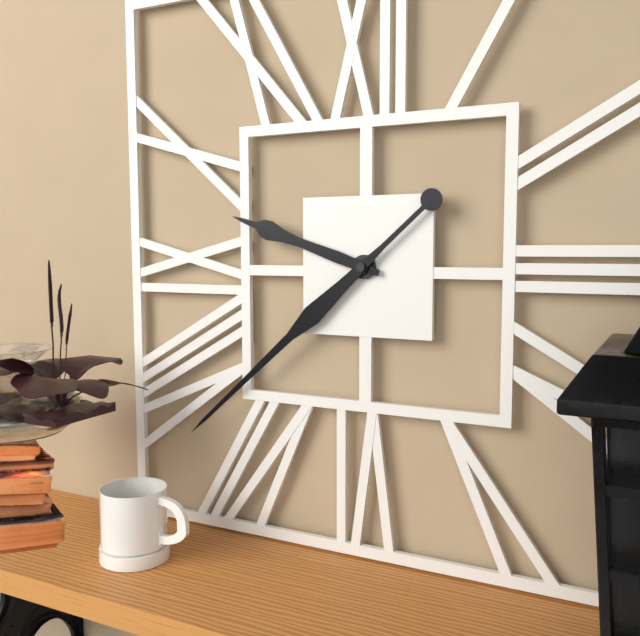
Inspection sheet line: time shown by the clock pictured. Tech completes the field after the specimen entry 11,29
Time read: 9,38
